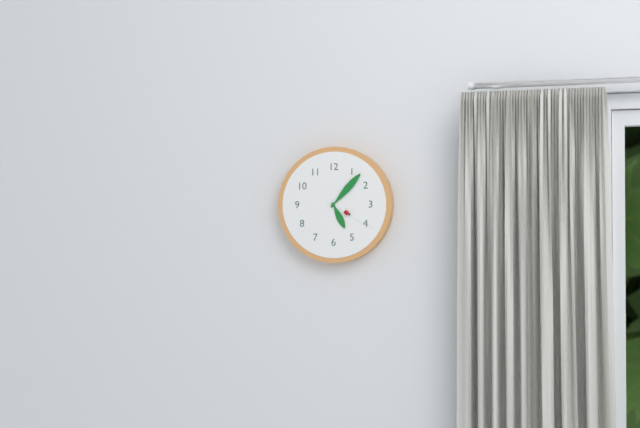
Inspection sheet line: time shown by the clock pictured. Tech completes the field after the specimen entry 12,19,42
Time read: 5,07,20
